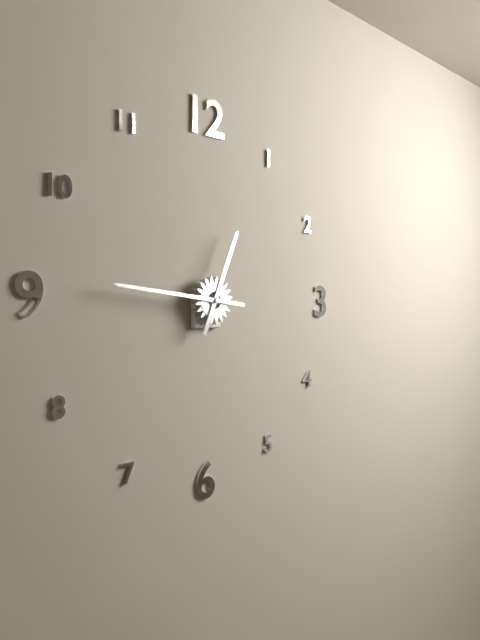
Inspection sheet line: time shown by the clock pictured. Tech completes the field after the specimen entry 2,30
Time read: 12,46
